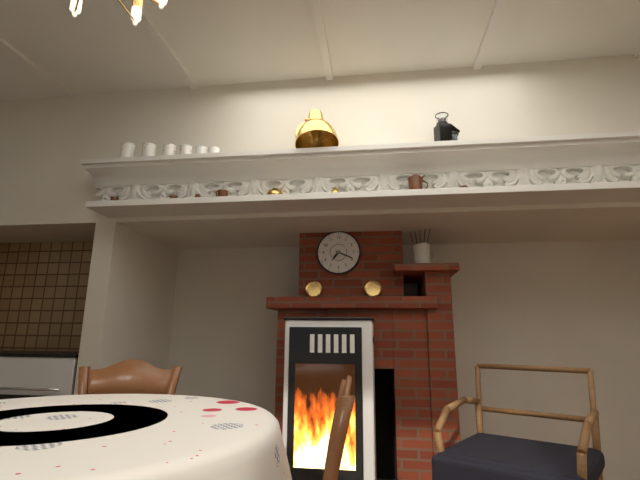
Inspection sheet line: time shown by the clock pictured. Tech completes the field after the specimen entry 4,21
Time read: 7,19
